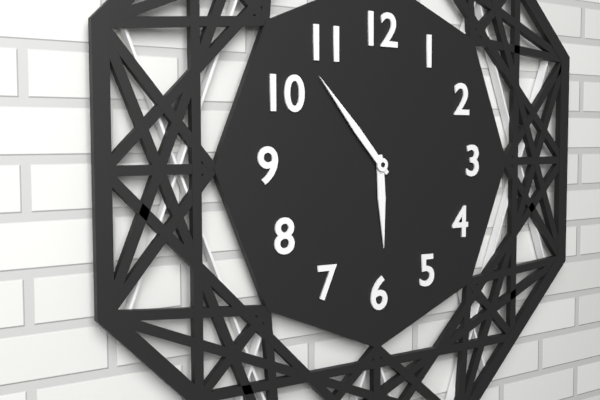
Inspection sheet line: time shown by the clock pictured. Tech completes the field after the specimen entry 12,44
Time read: 5,53
